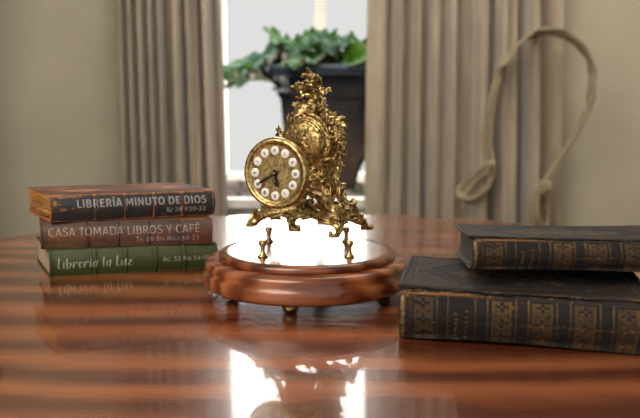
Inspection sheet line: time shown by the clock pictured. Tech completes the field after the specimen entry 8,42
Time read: 5,40
